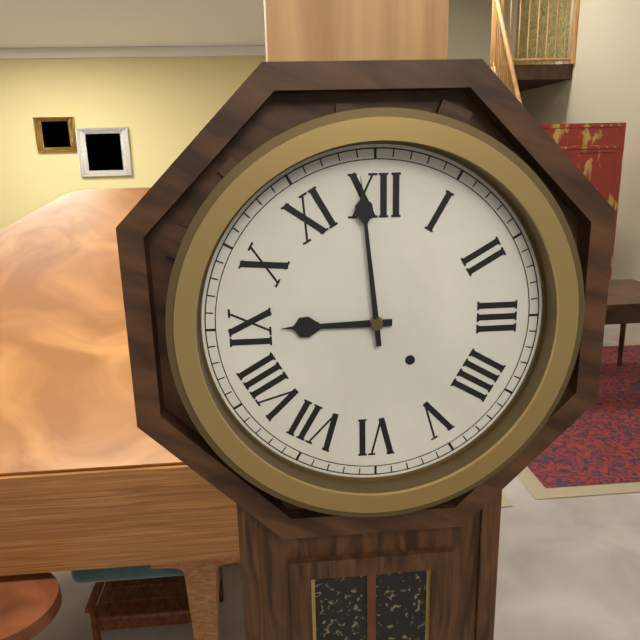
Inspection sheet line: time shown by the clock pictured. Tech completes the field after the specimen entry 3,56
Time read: 8,59
